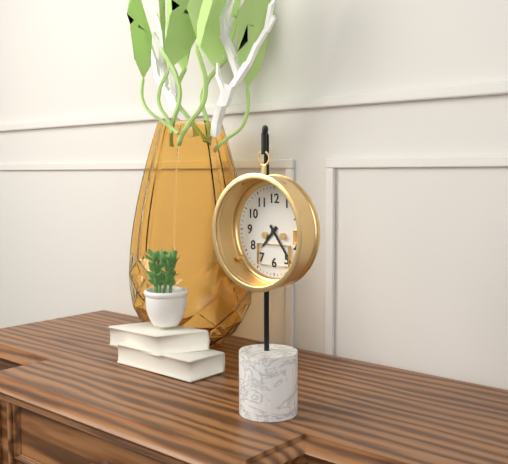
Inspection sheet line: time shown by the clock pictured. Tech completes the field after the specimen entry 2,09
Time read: 7,24
